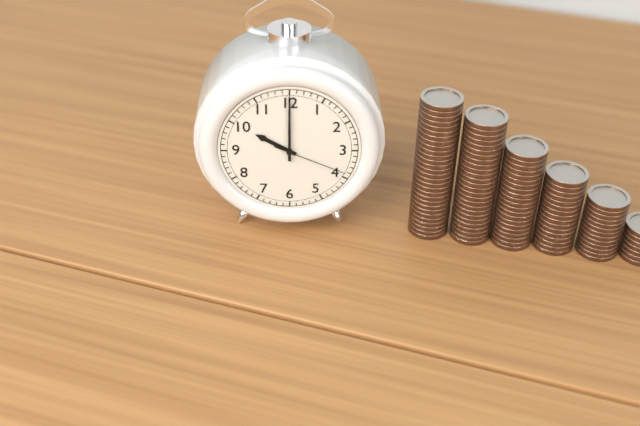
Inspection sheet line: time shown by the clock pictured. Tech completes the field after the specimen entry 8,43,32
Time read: 10,00,19
